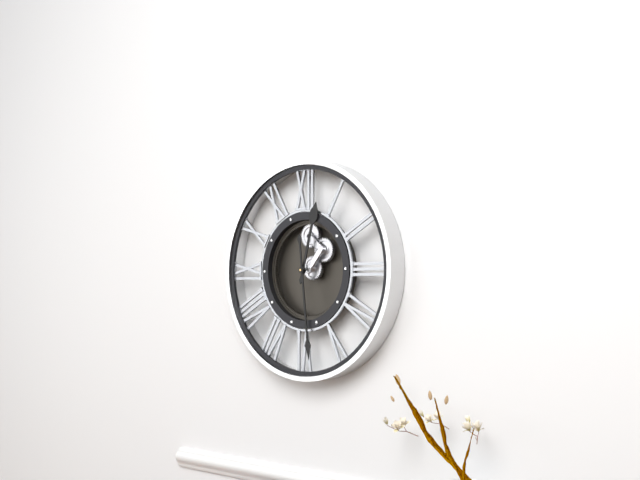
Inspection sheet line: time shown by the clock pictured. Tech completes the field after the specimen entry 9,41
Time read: 12,29
